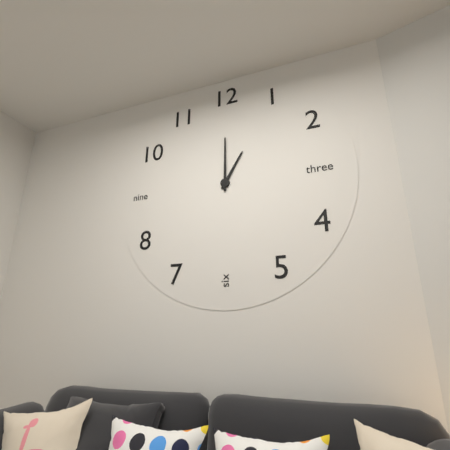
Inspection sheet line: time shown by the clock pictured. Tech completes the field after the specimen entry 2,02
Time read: 1,00
